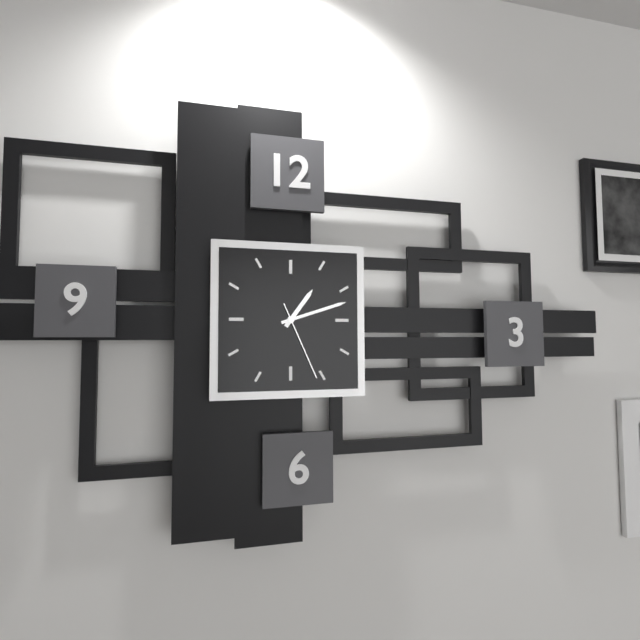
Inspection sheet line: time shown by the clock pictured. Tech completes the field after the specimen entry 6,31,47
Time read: 1,12,26
